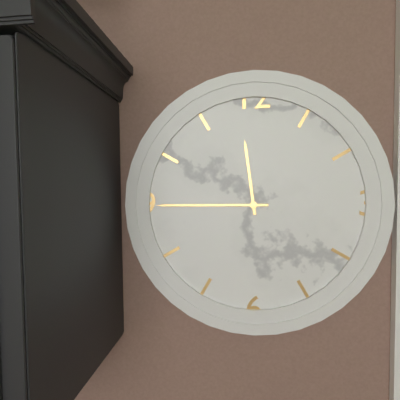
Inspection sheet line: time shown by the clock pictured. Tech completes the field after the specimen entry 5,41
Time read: 11,45
